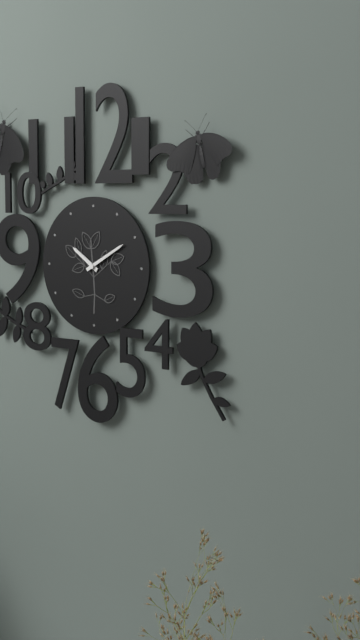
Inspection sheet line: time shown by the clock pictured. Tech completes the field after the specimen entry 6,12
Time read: 10,10
